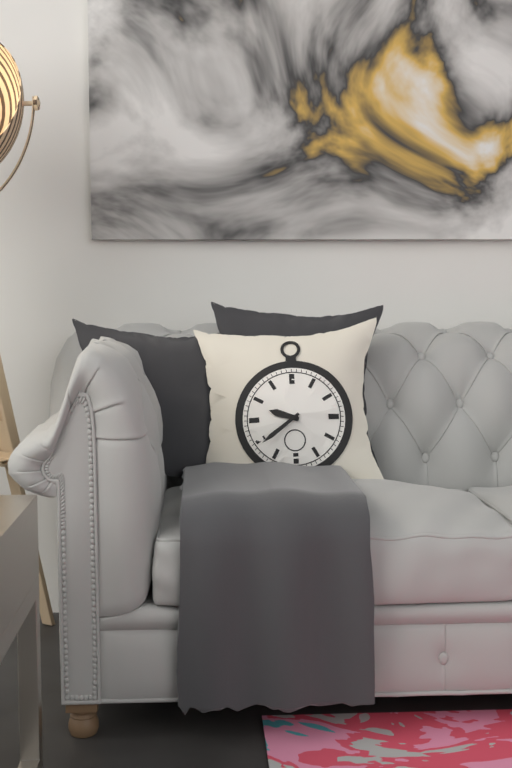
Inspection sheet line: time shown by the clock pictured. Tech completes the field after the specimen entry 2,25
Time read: 9,39
